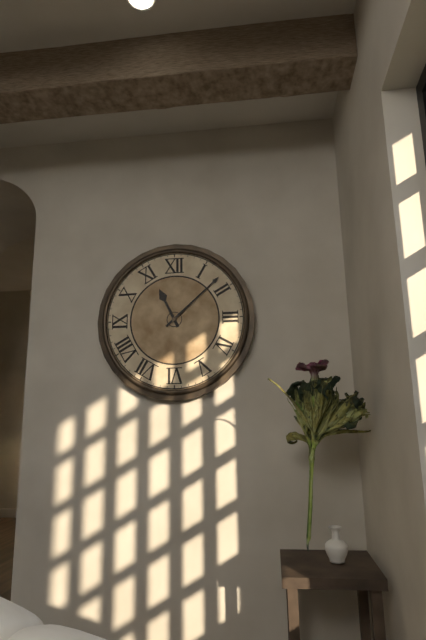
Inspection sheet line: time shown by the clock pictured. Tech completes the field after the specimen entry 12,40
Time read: 11,08
